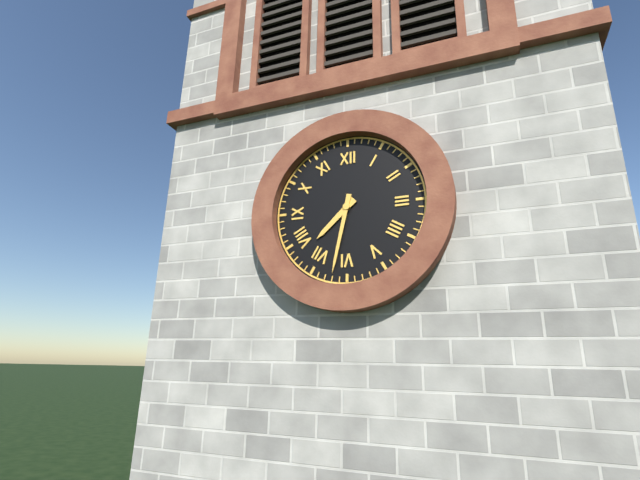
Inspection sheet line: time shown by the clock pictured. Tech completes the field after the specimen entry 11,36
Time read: 7,32
